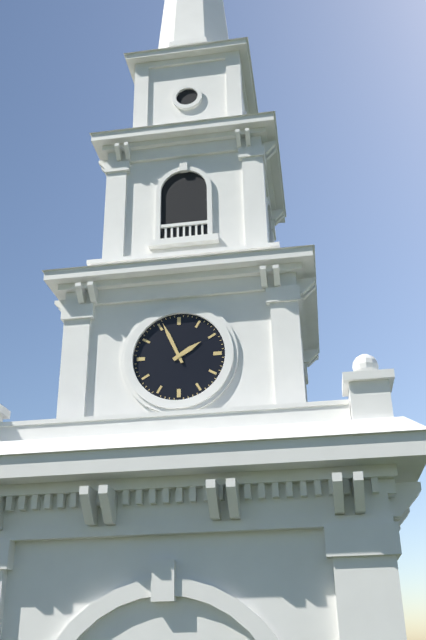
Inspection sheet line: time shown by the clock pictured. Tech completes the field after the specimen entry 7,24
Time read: 1,56
